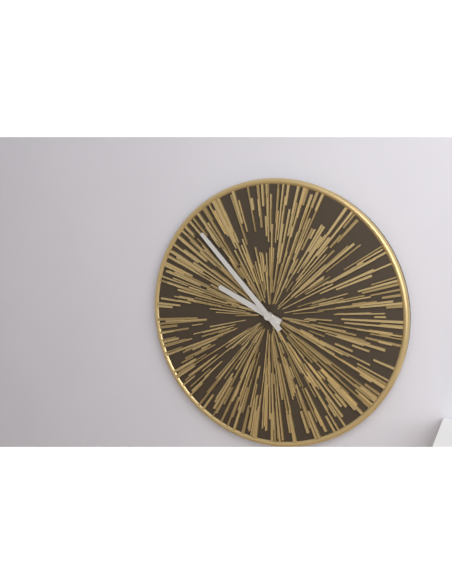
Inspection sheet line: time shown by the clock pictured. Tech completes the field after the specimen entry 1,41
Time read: 9,53
